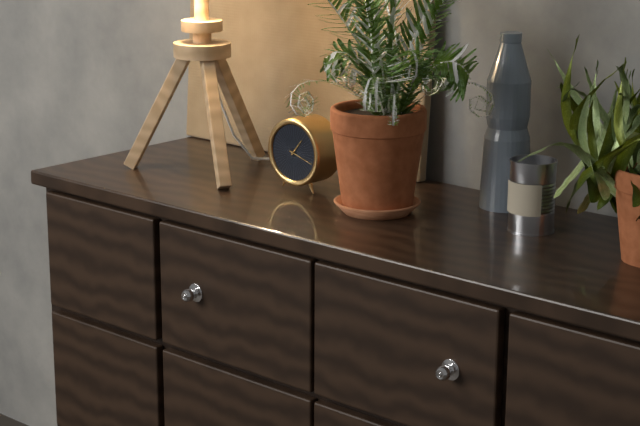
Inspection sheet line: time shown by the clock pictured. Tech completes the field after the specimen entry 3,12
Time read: 1,18
